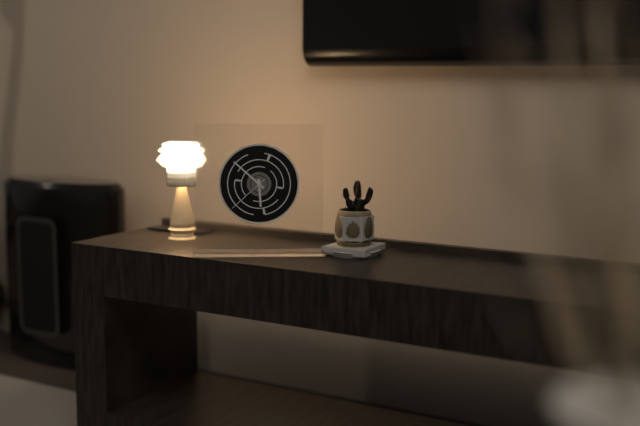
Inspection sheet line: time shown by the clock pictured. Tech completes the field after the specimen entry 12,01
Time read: 5,52
